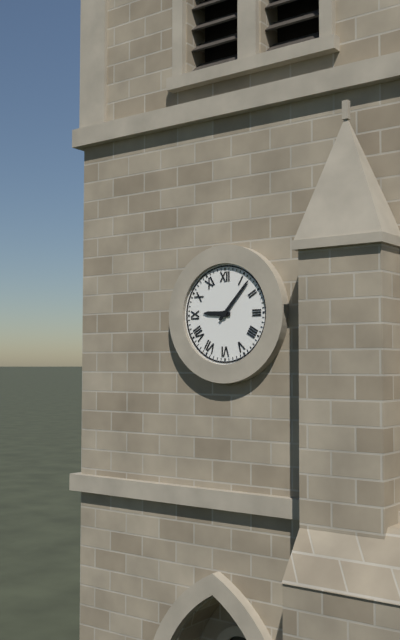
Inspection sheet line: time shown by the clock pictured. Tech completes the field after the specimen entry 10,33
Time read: 9,07
